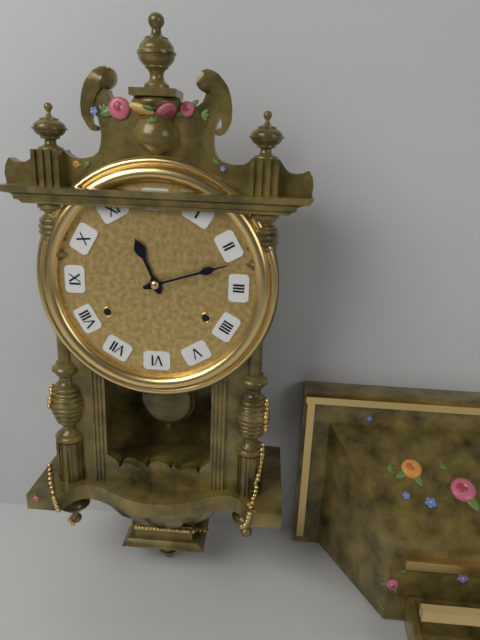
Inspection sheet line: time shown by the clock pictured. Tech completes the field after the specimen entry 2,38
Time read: 11,12
